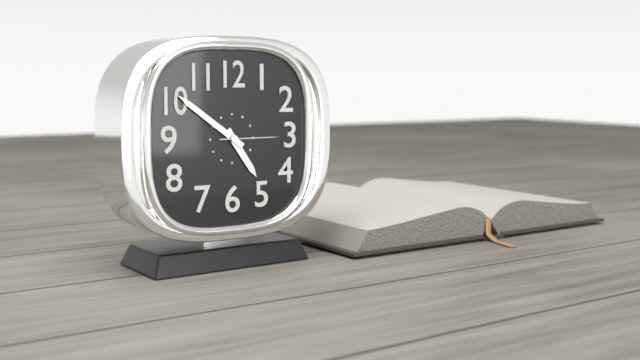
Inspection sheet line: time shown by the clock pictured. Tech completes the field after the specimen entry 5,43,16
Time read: 4,51,15
